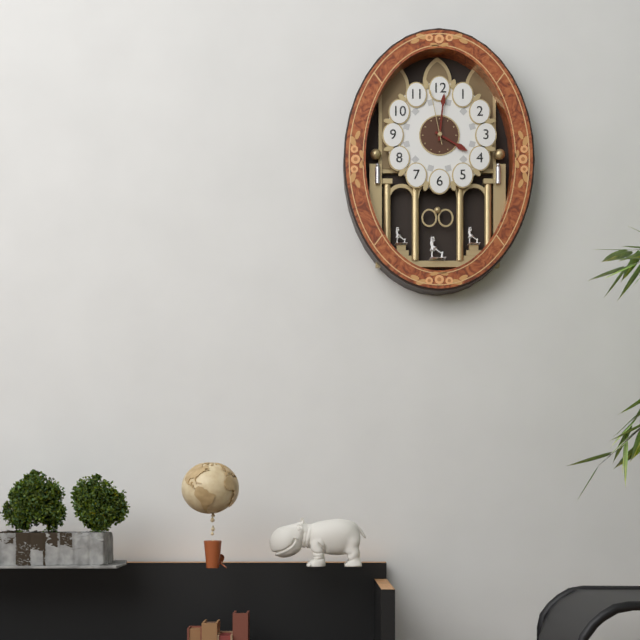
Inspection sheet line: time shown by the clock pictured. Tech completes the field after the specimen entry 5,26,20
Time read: 4,01,58
